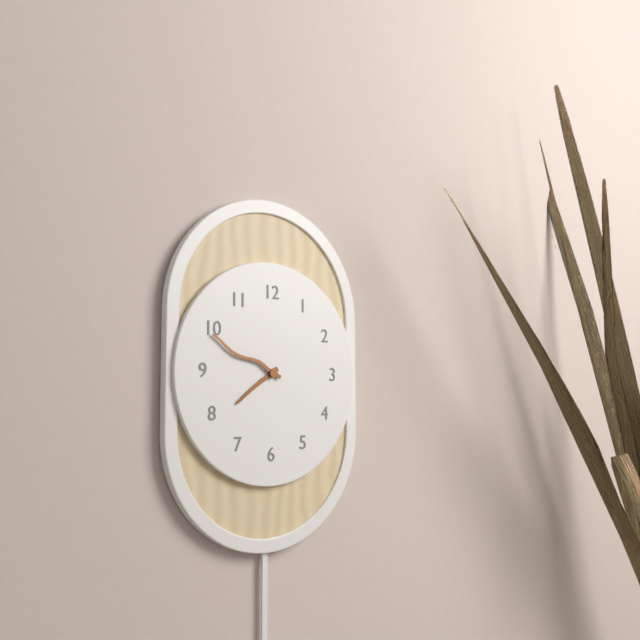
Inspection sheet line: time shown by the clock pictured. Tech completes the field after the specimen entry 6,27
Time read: 7,49
